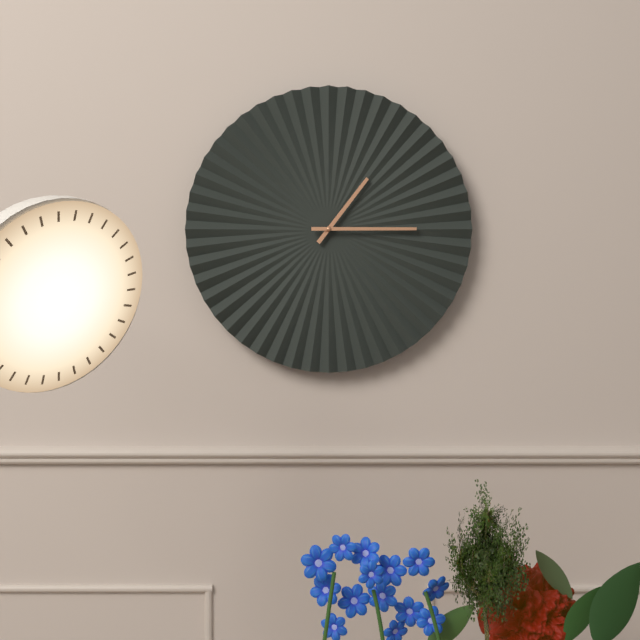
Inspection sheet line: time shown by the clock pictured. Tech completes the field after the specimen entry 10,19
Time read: 1,15
